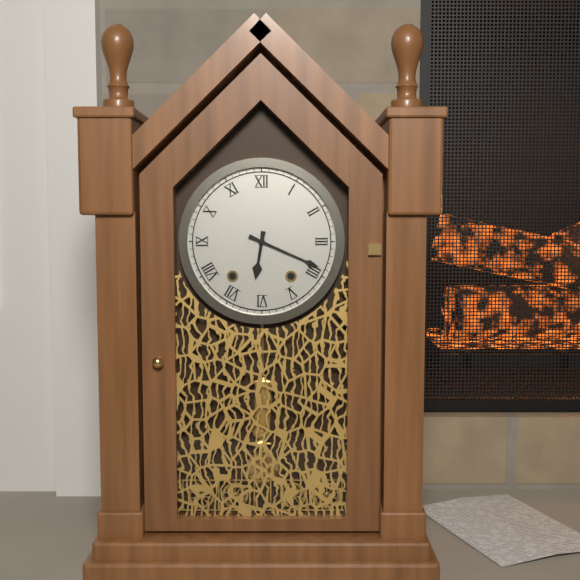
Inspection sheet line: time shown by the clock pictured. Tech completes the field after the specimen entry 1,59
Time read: 6,19
